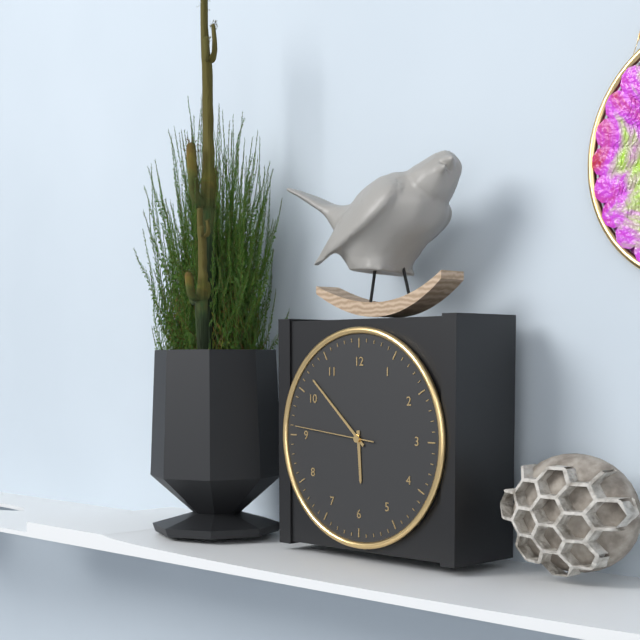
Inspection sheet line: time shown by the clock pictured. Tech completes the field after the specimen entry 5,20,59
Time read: 5,52,46
